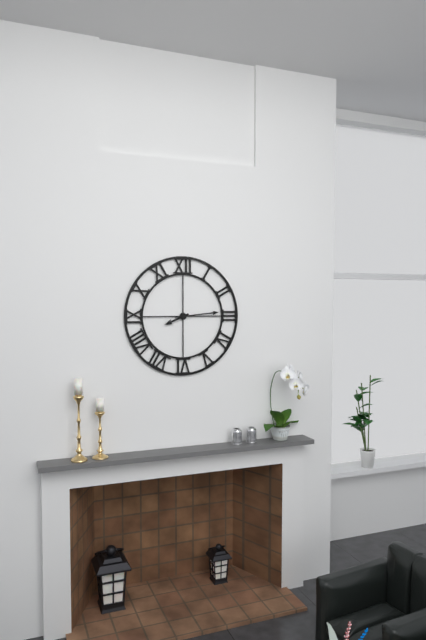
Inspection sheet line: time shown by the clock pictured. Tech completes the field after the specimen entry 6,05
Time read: 8,14
